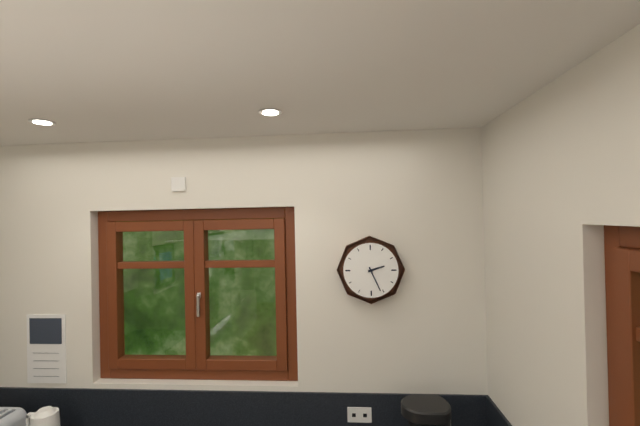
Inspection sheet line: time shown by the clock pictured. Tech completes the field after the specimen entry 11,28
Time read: 2,26
